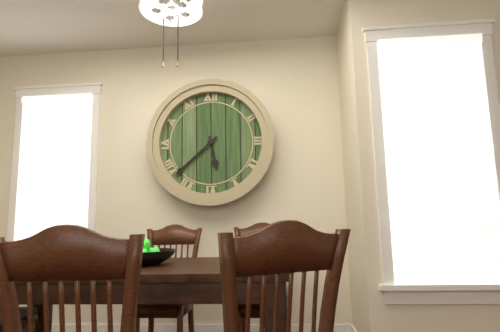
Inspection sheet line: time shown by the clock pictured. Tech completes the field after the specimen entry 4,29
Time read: 5,38
